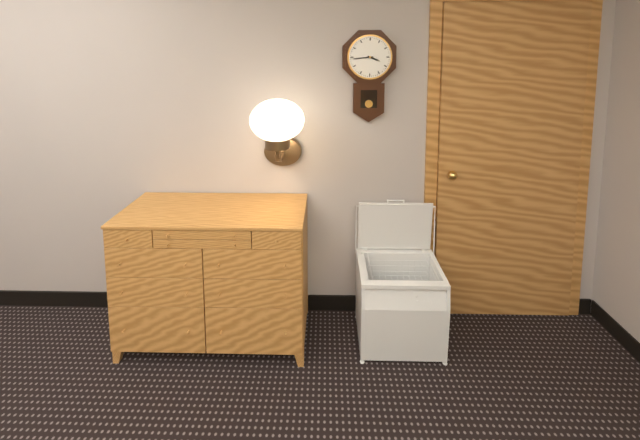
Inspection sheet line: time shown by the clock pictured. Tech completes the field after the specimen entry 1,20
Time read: 3,44
